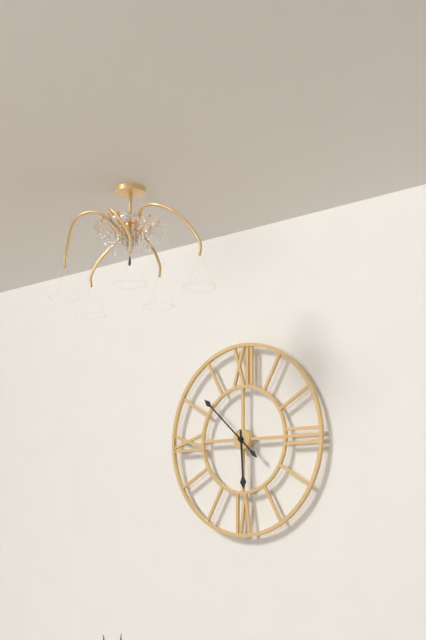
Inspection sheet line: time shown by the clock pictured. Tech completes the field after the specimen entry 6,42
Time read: 5,52
